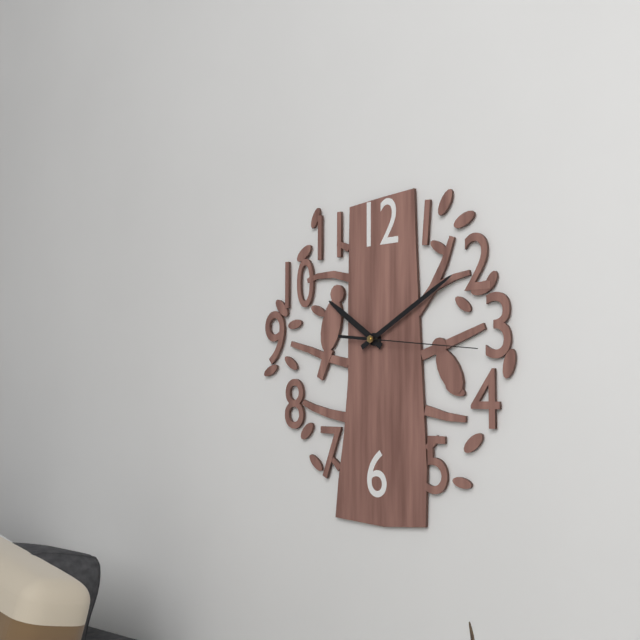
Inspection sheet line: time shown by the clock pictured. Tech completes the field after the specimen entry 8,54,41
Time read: 10,10,16
